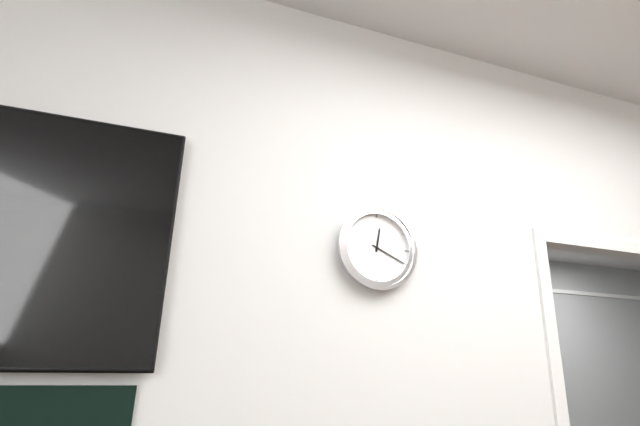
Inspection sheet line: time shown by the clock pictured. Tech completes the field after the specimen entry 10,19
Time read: 12,19
